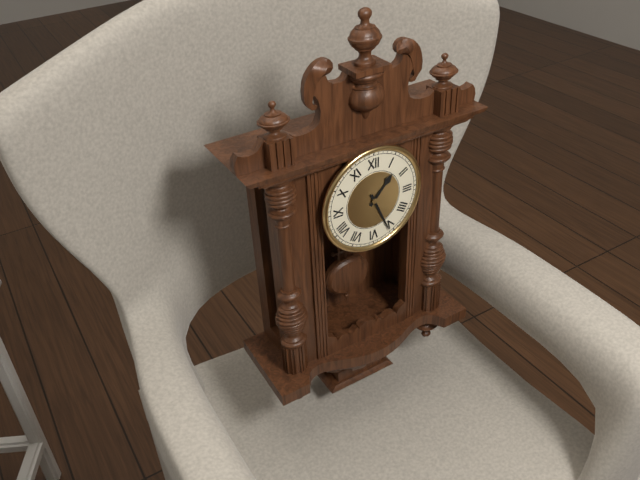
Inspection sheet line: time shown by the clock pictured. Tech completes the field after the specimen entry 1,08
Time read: 1,26
